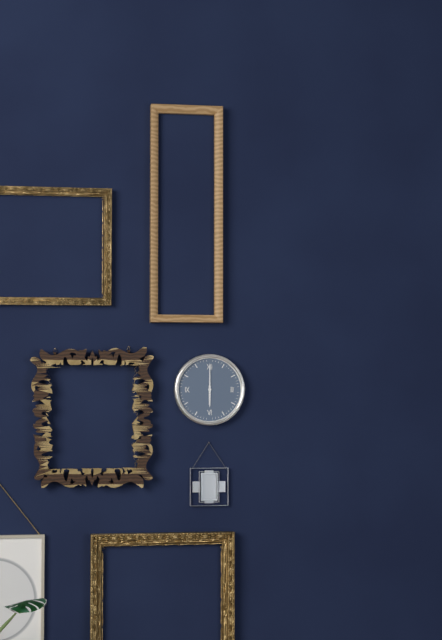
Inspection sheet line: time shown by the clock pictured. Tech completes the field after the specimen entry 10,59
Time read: 6,00
